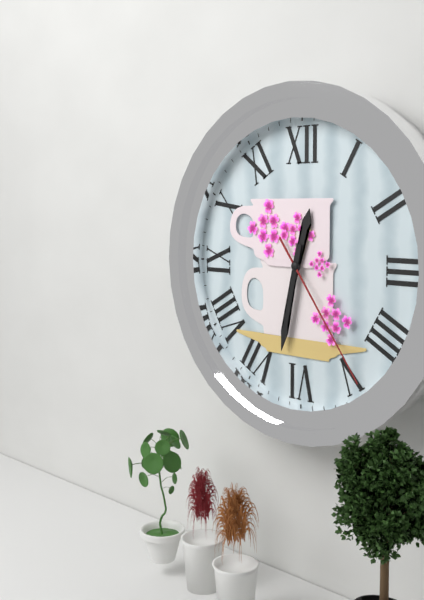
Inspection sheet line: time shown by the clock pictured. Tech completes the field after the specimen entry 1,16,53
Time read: 12,32,24
